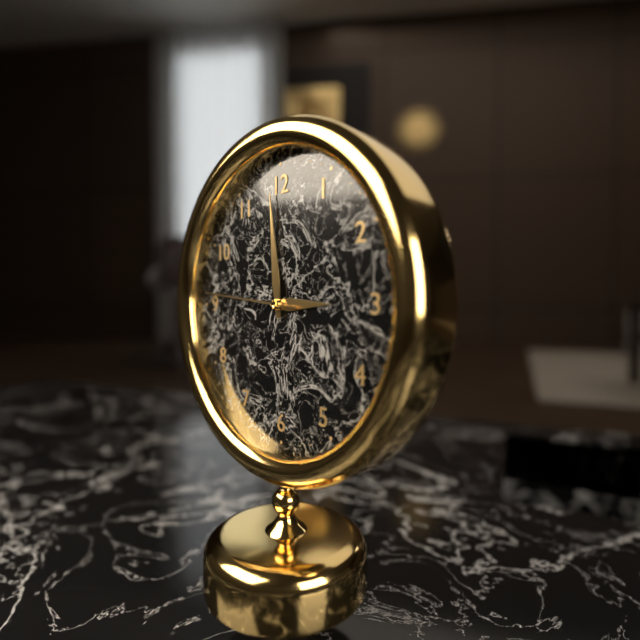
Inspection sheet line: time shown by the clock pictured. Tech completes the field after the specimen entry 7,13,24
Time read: 2,59,46
